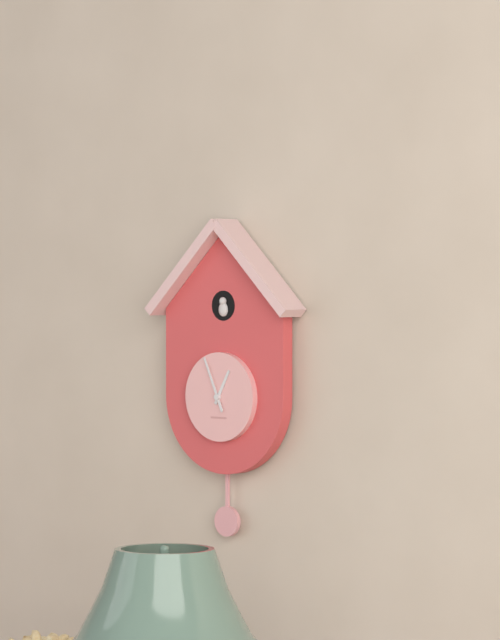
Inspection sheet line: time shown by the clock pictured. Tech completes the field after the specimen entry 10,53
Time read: 12,56
